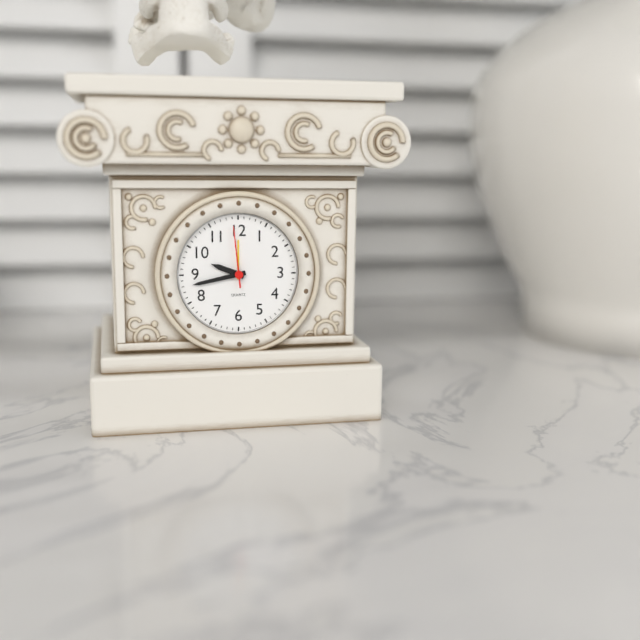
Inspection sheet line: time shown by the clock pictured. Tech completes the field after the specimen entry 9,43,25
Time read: 9,43,59
